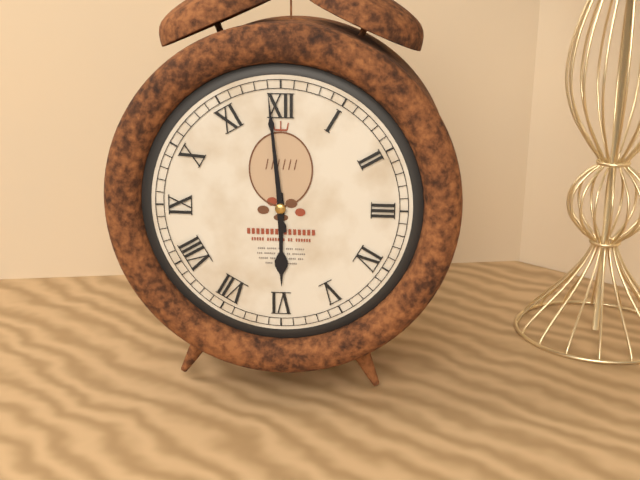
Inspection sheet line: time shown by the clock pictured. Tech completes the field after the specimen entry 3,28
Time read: 5,59
